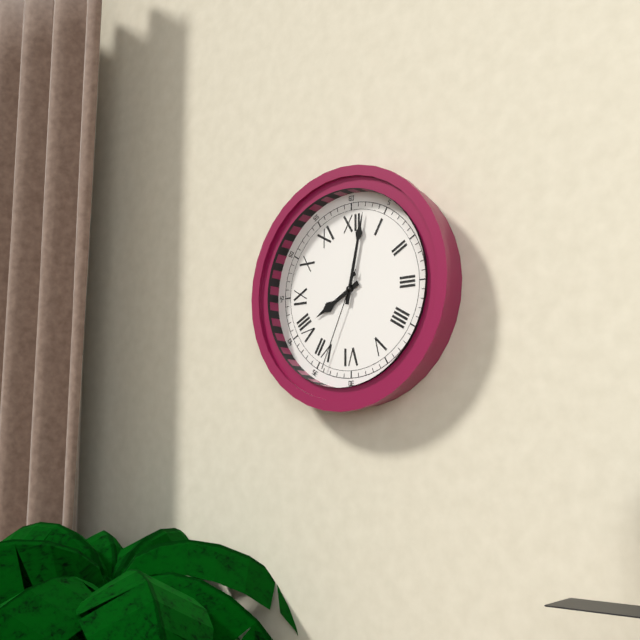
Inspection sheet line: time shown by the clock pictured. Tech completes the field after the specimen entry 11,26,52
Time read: 8,02,34
